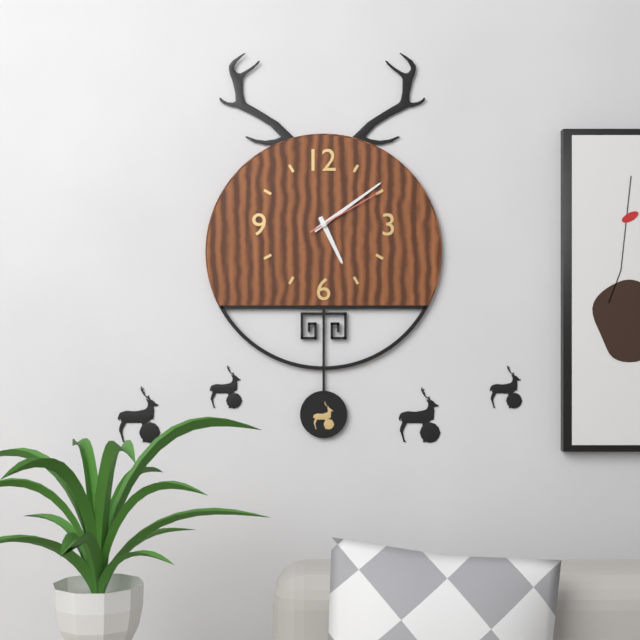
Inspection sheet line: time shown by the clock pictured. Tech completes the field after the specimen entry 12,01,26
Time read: 5,09,10
